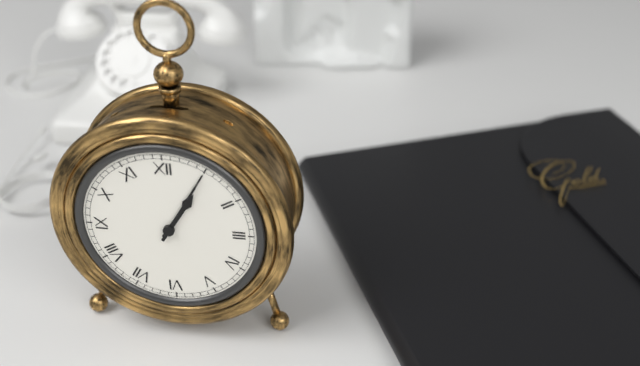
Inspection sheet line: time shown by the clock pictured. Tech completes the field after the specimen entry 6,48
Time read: 1,05
